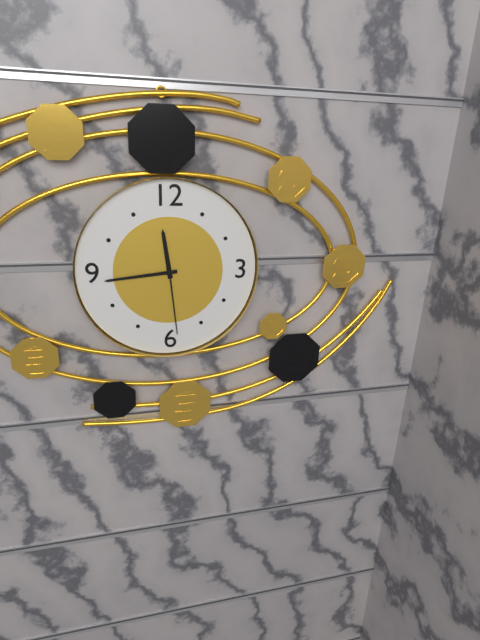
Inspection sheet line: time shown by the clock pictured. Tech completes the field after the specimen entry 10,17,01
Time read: 11,44,29
